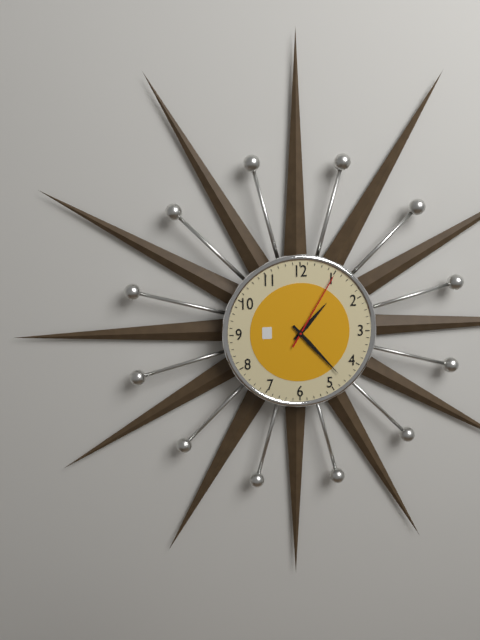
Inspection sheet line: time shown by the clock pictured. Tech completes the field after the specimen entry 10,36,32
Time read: 1,23,05
